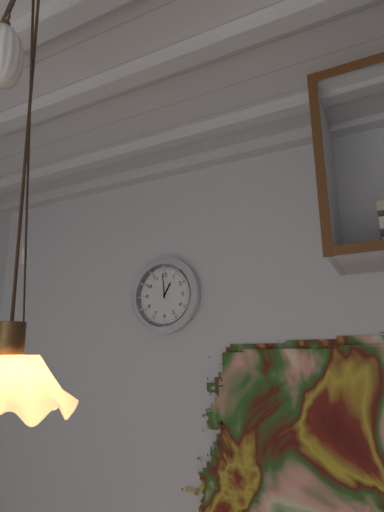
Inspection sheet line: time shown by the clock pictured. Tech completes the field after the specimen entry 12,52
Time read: 12,59
